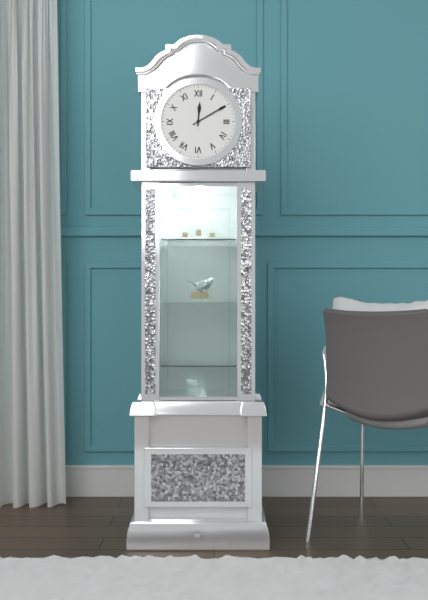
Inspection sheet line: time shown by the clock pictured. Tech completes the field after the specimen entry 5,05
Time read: 12,10
